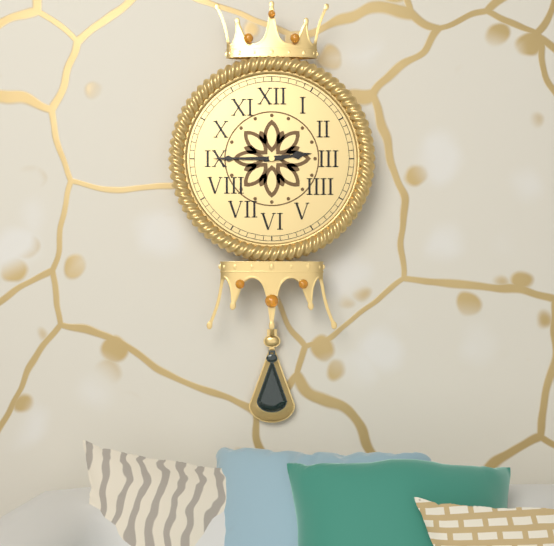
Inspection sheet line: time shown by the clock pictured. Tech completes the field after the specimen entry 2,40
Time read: 2,45
